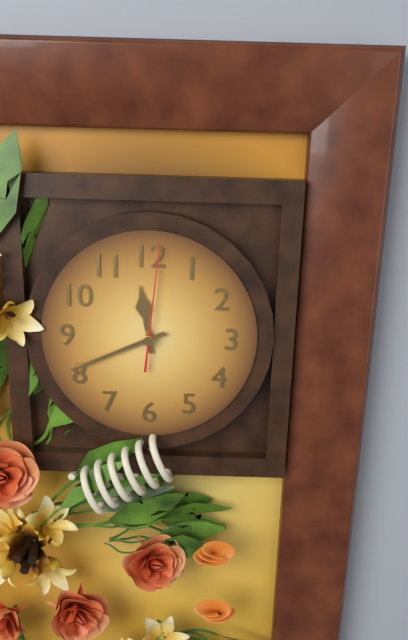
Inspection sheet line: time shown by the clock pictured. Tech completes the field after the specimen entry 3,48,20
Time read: 11,41,01
